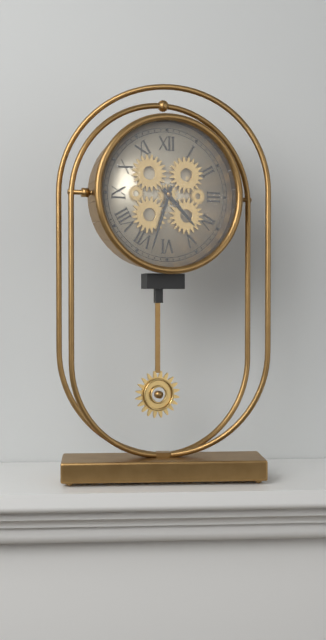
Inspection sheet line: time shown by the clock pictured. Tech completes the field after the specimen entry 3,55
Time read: 4,33
